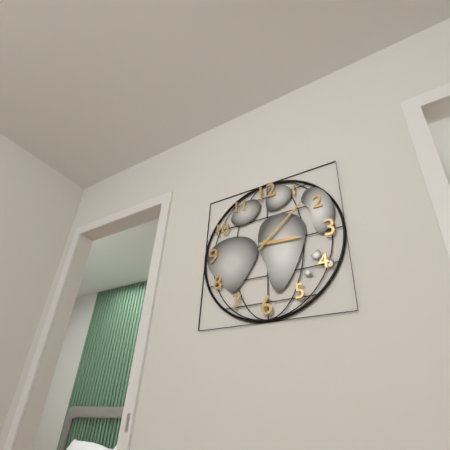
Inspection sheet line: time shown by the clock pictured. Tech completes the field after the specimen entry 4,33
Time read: 3,08
